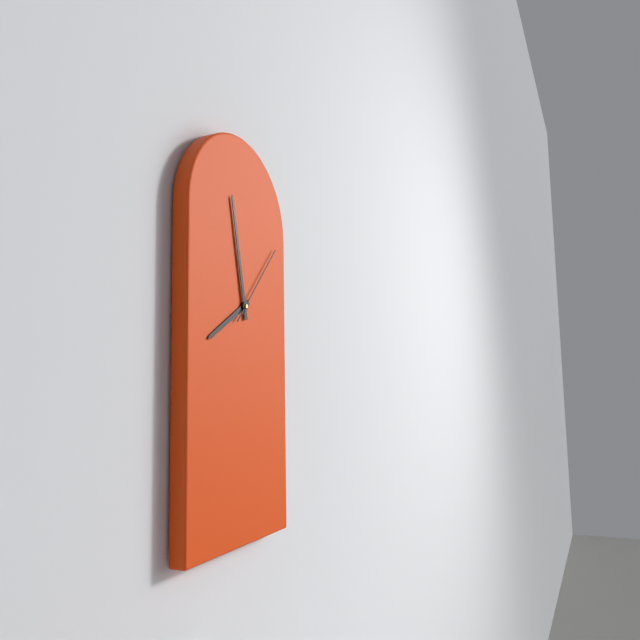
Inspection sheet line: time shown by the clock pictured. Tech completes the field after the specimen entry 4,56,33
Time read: 7,58,07
